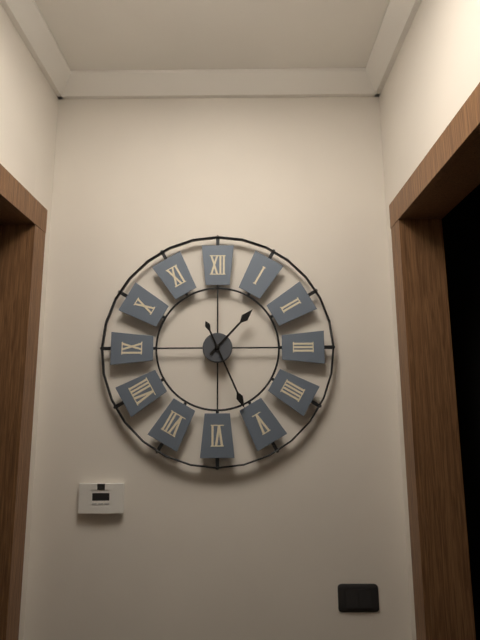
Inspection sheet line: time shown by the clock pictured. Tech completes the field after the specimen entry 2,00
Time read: 1,26
